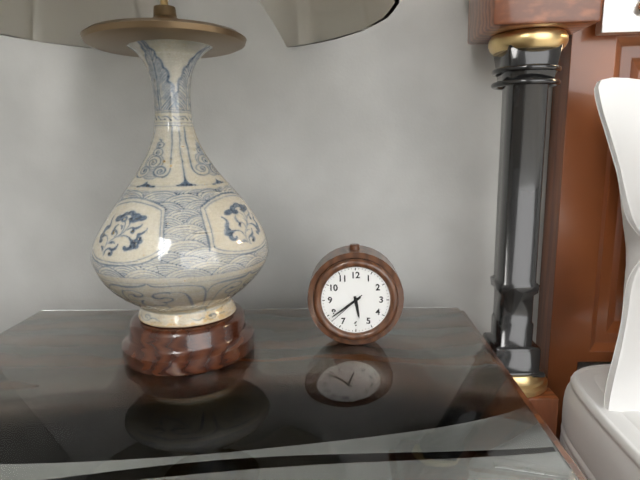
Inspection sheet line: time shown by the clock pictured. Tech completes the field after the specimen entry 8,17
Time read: 5,39
